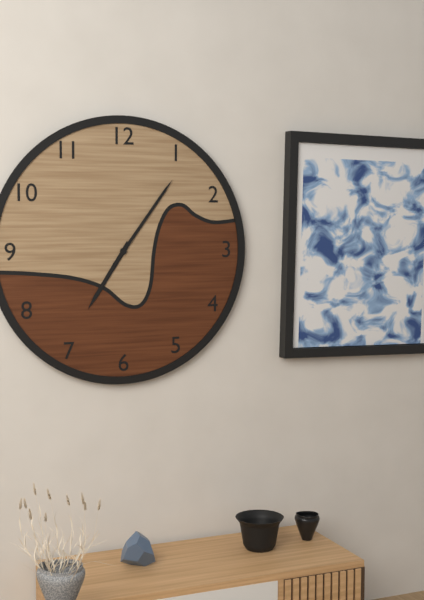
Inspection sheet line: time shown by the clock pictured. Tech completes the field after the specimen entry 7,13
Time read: 7,06
